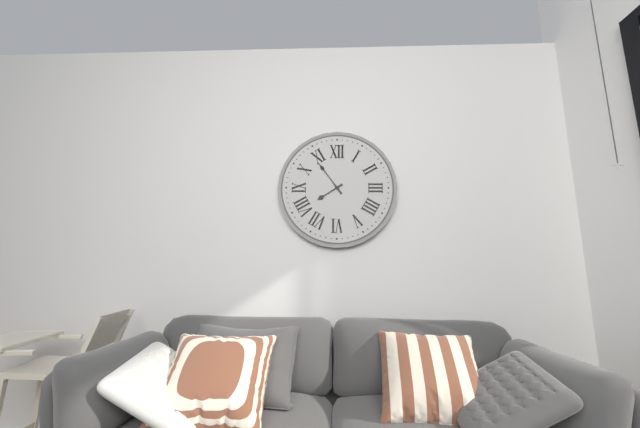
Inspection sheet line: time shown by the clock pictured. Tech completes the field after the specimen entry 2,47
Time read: 7,54
